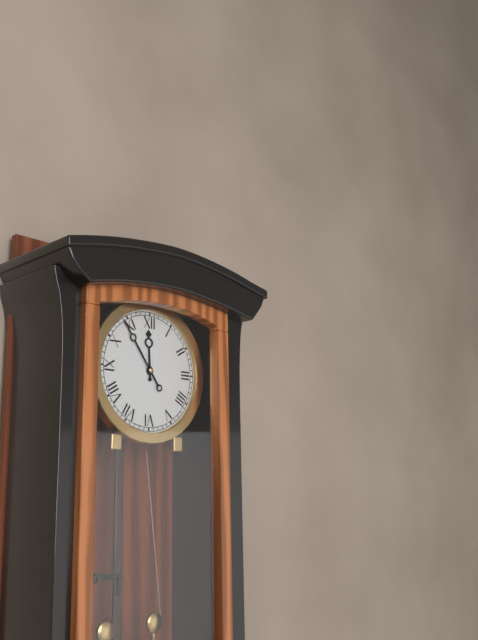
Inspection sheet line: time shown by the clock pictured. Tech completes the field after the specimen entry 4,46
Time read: 11,54
